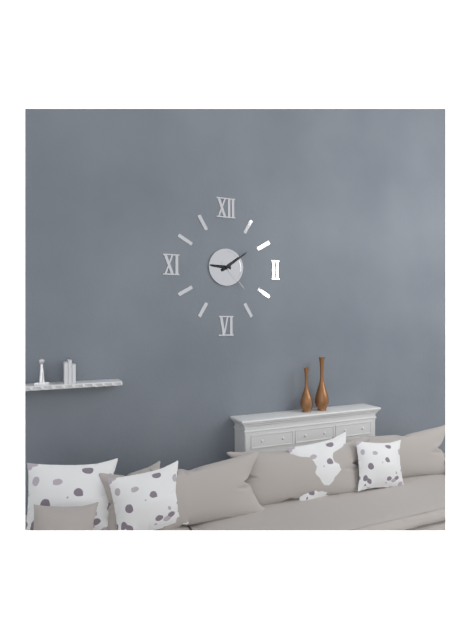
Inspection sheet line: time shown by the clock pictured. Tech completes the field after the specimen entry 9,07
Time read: 9,09
